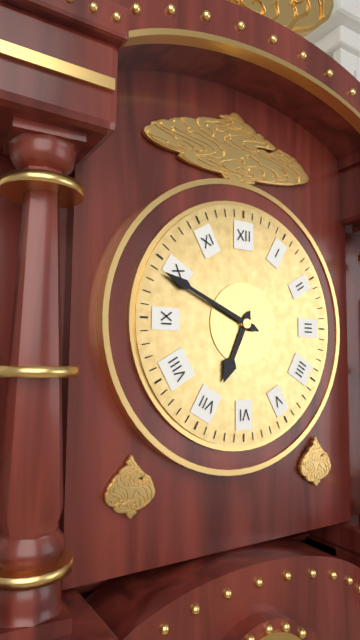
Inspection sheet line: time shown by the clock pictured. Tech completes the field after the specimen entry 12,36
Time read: 6,49
